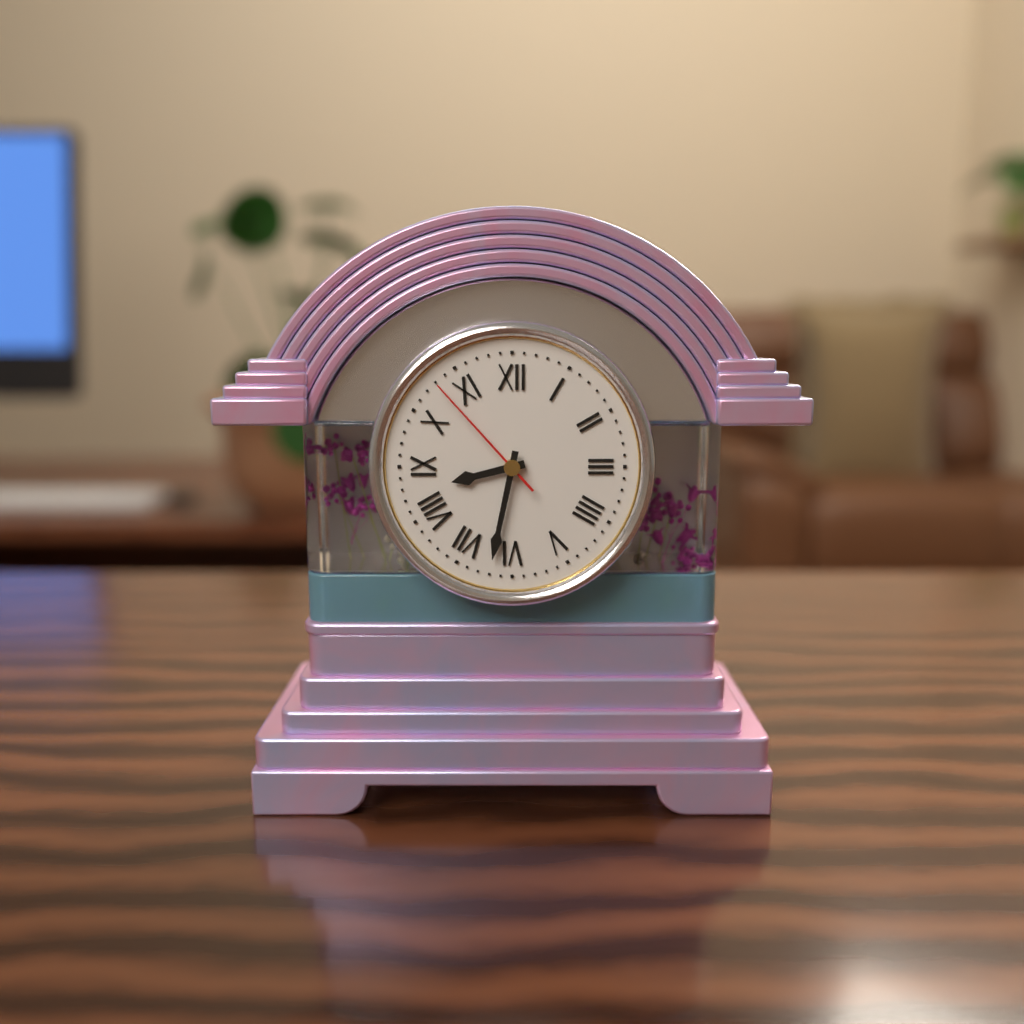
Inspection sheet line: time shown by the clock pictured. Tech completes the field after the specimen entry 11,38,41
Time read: 8,32,53
